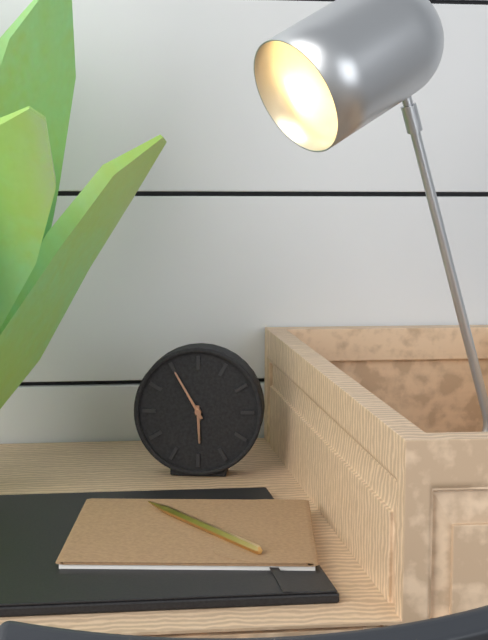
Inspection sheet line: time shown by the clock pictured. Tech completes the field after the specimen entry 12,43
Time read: 5,55
